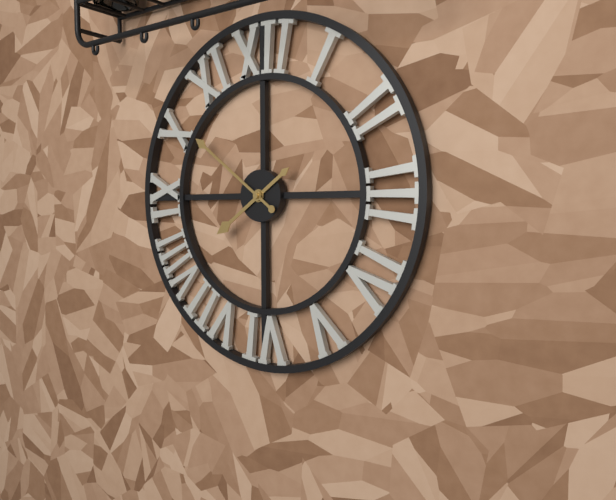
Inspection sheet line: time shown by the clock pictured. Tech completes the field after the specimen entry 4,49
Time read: 7,51
